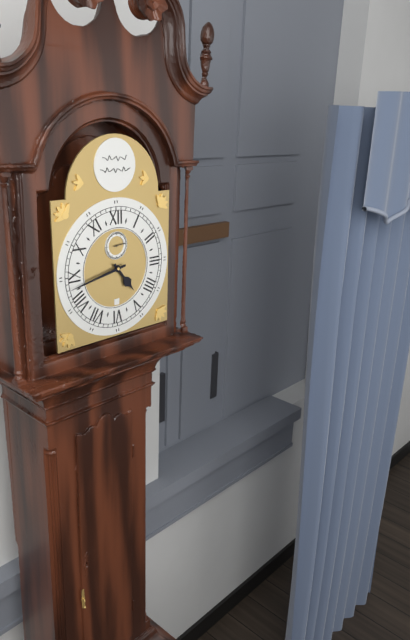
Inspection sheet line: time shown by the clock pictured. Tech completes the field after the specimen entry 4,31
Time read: 4,43
